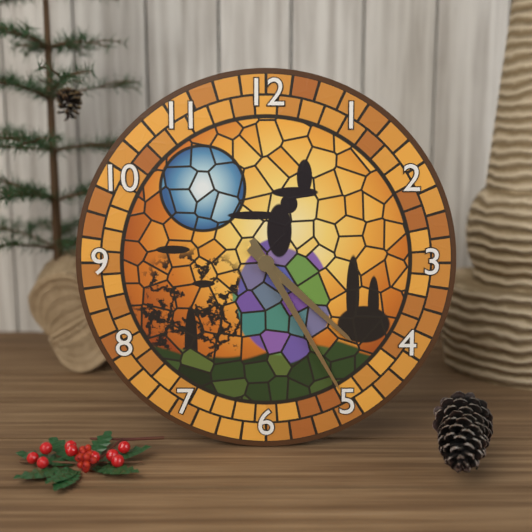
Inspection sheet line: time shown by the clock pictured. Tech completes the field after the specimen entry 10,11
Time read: 4,25
